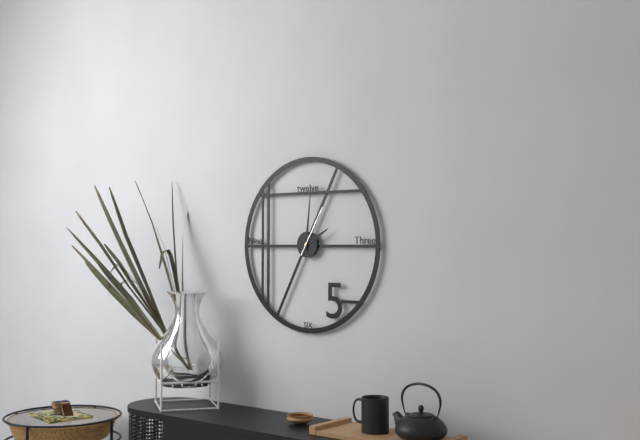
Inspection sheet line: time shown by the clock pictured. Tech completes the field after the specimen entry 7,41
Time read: 2,01
